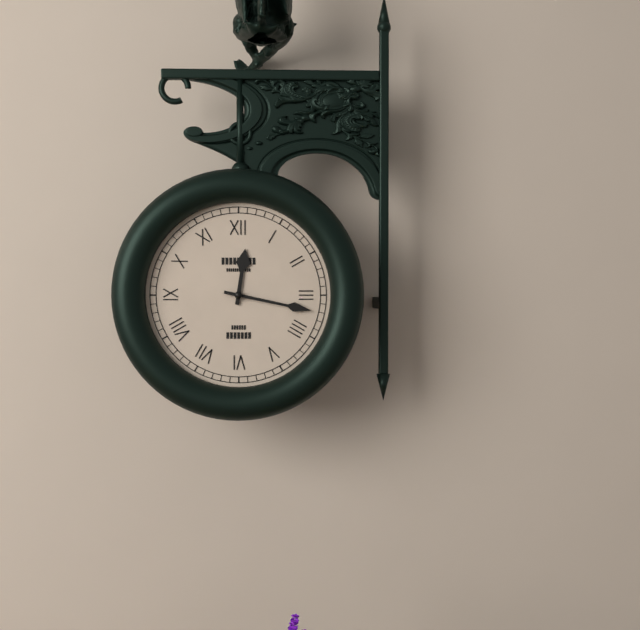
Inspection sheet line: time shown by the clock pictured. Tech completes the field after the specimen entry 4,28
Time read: 12,17
